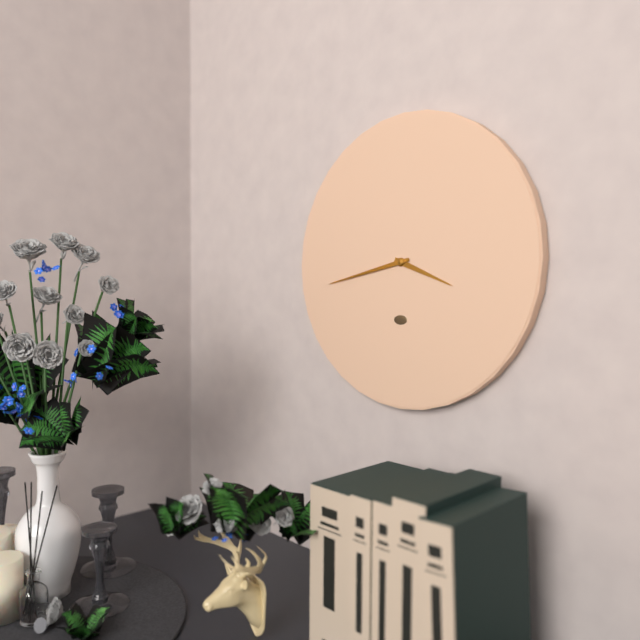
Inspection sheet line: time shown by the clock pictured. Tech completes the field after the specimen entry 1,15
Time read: 3,43
